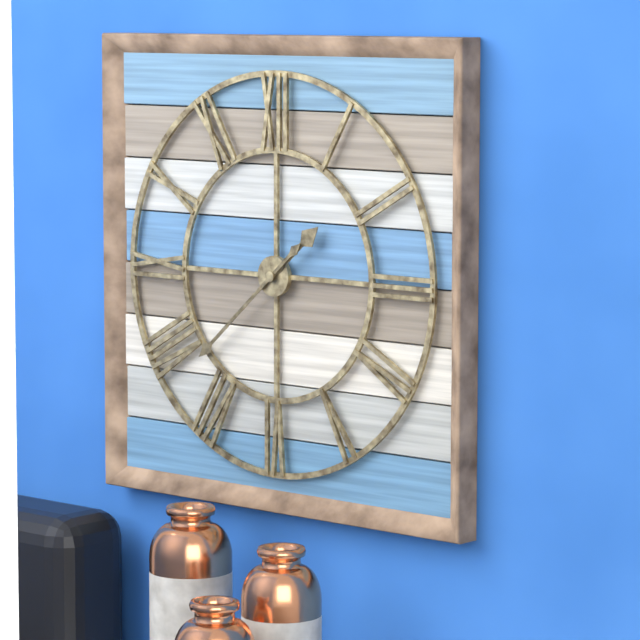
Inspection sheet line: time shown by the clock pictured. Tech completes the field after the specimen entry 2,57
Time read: 1,38
